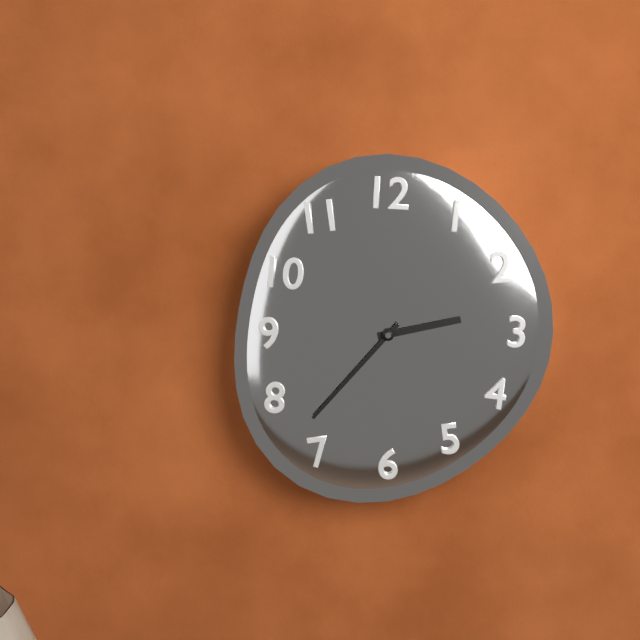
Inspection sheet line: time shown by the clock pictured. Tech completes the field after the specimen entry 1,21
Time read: 2,37
